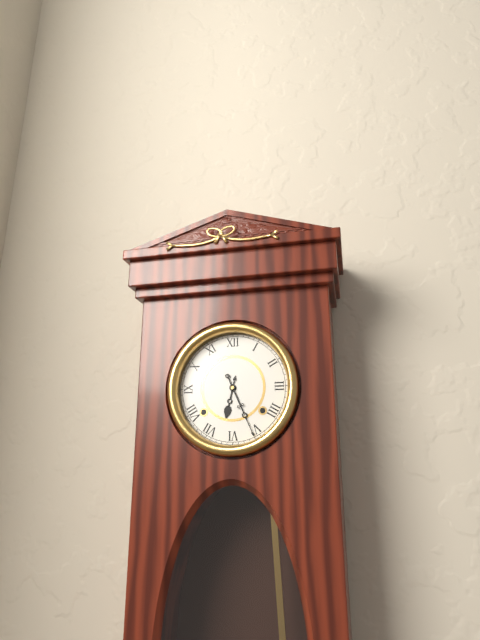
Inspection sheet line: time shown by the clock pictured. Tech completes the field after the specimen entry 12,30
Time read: 6,26
